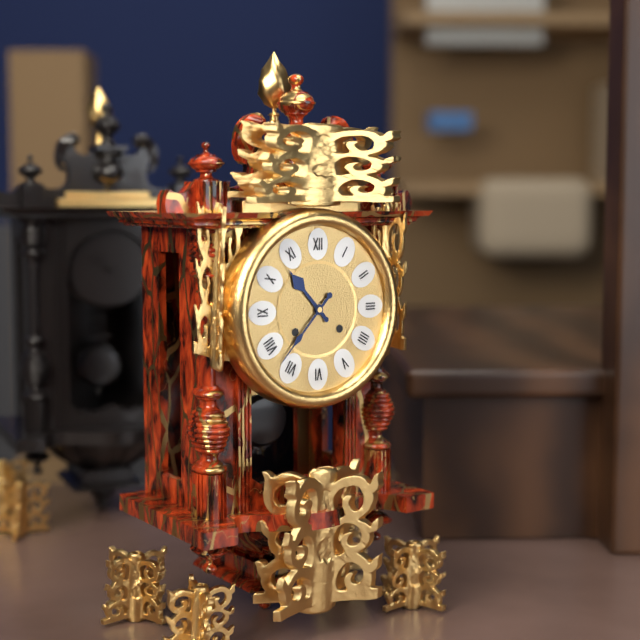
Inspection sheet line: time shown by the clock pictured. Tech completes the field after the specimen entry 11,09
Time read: 10,37
